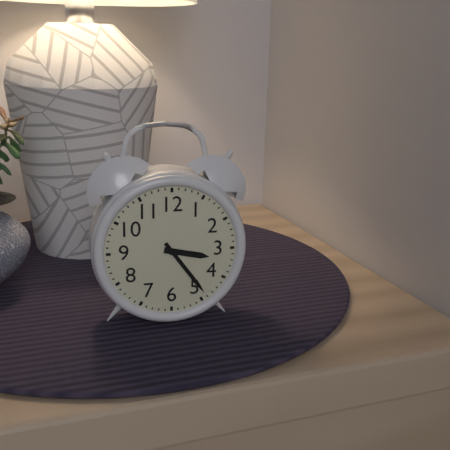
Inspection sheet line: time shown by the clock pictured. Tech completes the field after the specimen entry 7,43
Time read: 3,24
